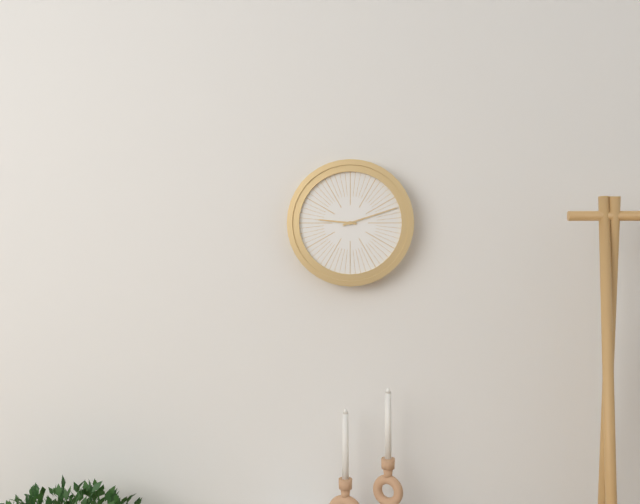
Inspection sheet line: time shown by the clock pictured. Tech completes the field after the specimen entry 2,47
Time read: 9,12
